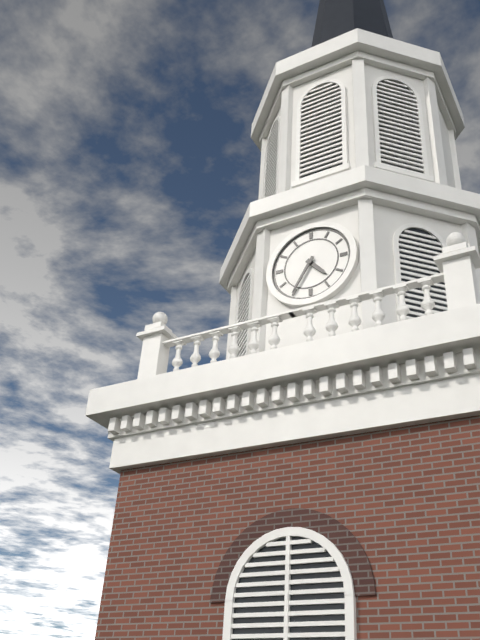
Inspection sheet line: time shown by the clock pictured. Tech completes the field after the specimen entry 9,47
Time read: 4,35
